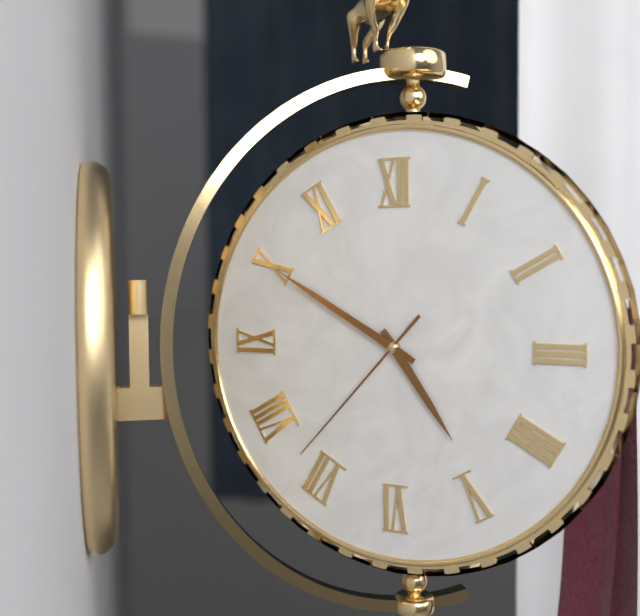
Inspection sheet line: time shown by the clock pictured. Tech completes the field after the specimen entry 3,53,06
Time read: 4,50,37
